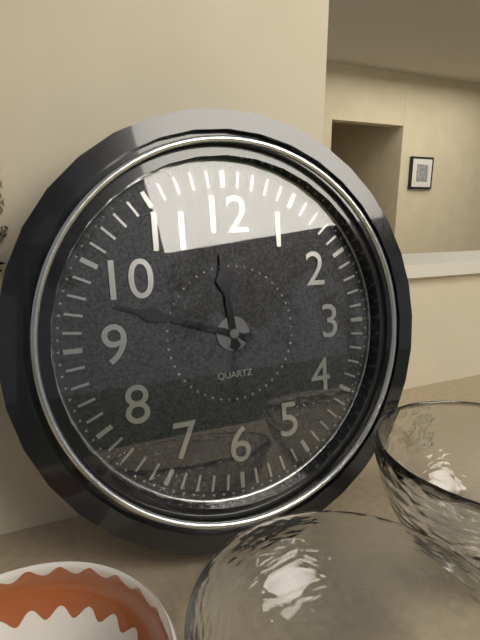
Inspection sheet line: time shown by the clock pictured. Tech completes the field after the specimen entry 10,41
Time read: 11,48
